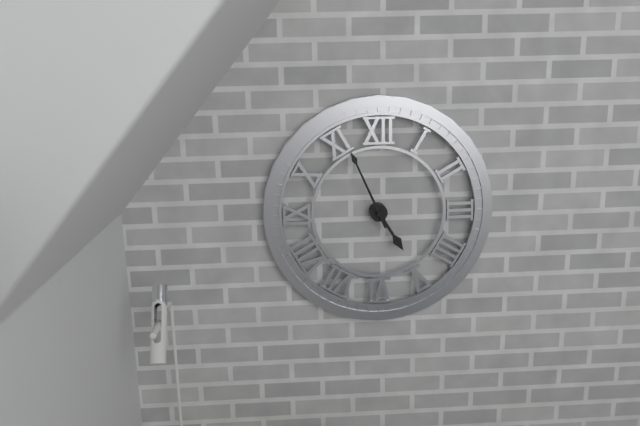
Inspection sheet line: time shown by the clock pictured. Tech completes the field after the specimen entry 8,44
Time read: 4,56
